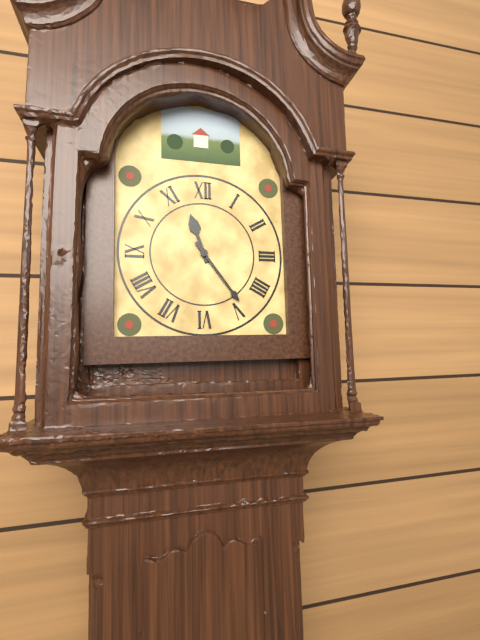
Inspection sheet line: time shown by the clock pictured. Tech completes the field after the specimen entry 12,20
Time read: 11,24
